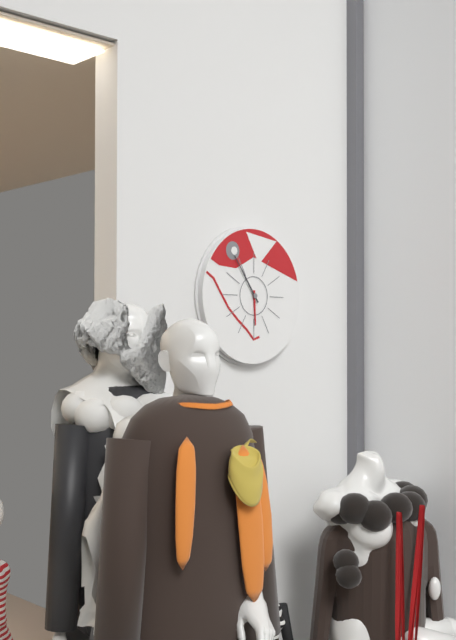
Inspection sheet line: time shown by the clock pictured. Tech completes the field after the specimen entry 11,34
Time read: 5,54
